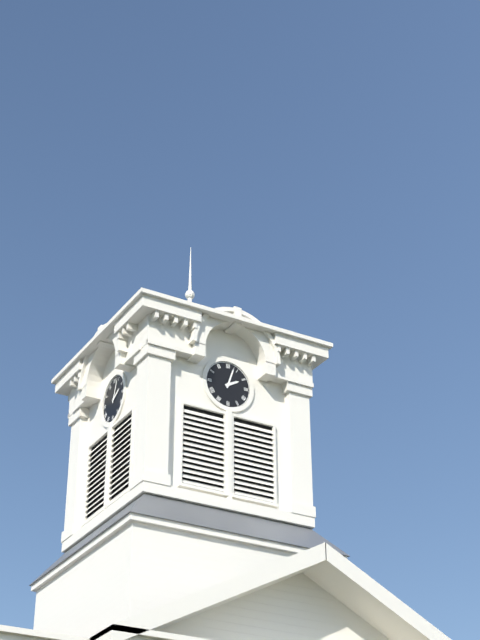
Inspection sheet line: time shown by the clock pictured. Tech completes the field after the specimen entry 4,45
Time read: 2,03
